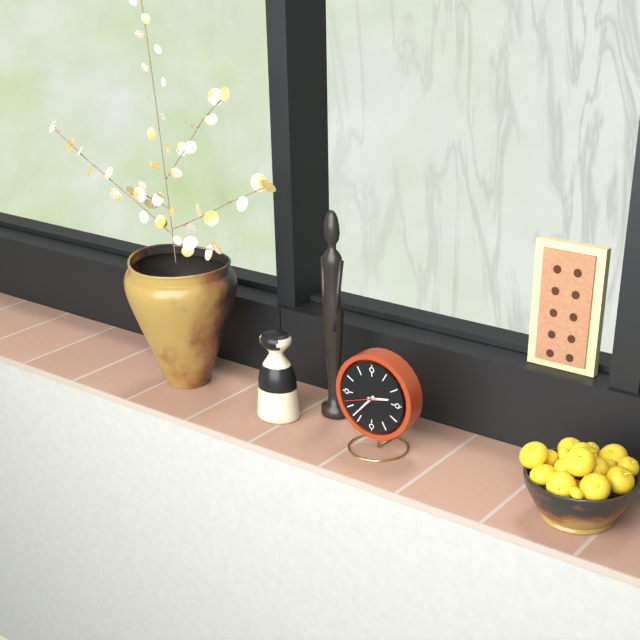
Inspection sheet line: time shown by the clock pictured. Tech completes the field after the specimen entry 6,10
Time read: 2,37
